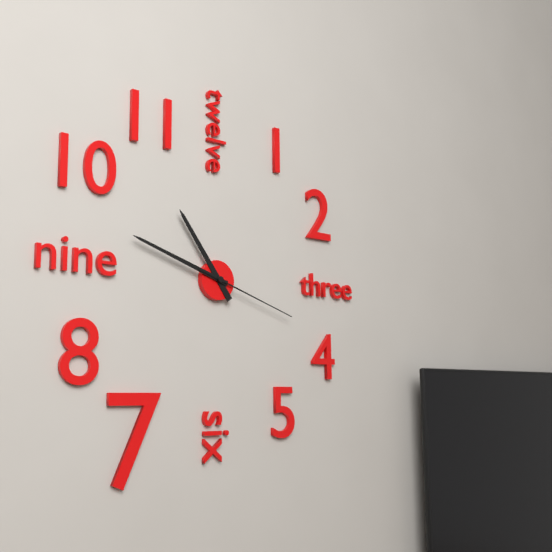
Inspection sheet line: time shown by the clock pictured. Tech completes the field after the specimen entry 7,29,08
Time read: 10,48,18
